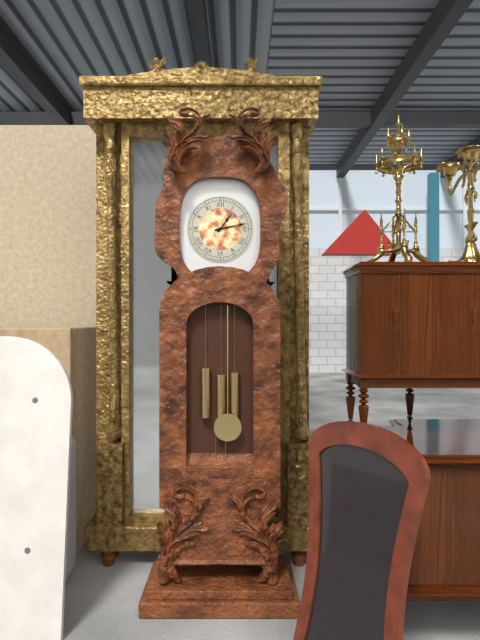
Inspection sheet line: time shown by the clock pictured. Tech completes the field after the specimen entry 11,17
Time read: 1,13
